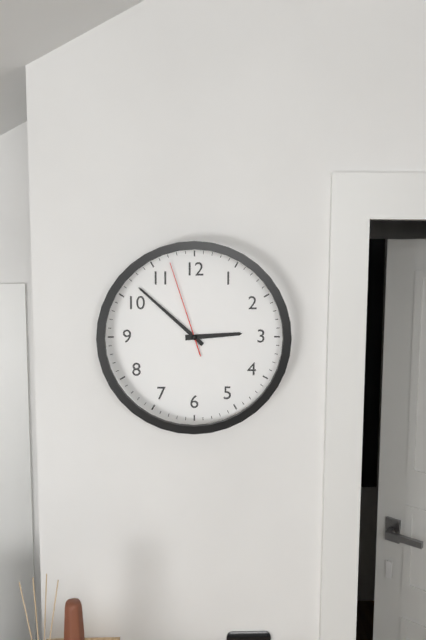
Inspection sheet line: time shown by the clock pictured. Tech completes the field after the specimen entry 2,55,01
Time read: 2,52,57
